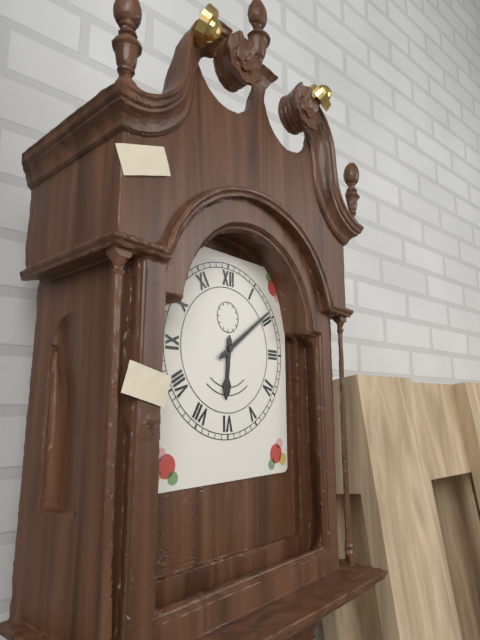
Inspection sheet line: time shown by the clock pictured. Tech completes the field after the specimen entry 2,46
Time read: 6,09
